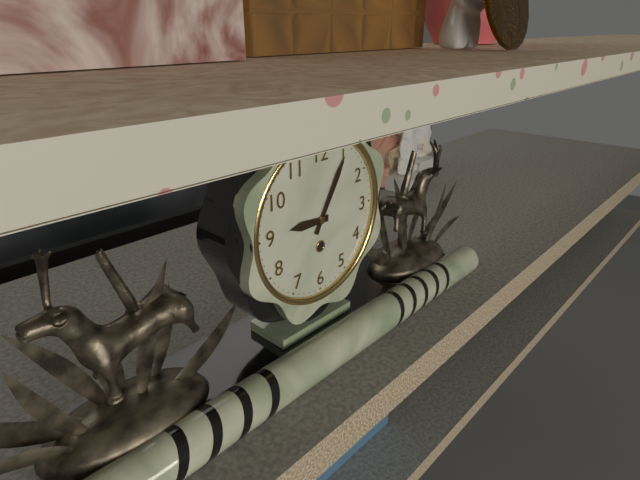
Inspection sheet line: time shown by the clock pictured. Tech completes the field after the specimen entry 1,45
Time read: 9,05
